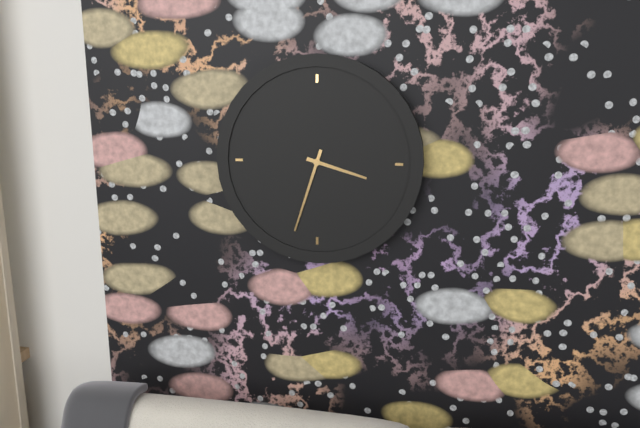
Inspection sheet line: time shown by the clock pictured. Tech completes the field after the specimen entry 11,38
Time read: 3,33
